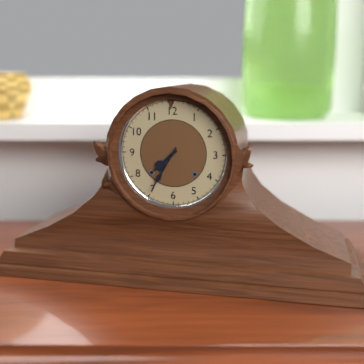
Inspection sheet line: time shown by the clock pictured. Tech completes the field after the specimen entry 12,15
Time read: 7,35
